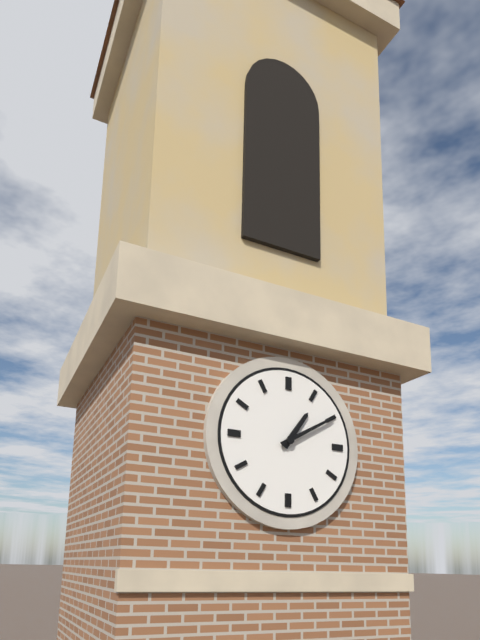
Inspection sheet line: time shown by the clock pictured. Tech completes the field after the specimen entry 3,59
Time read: 1,10
